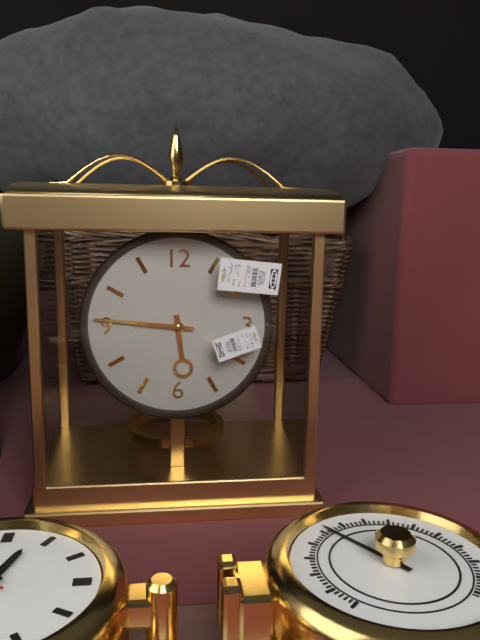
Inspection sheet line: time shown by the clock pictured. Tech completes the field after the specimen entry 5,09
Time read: 5,46
